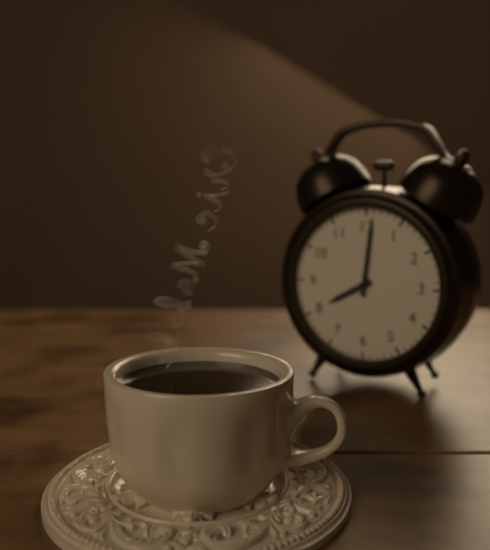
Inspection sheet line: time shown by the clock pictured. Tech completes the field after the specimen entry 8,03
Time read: 8,01
